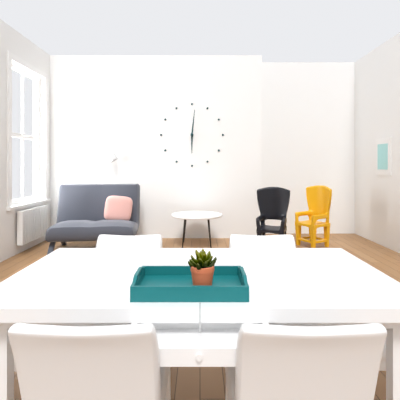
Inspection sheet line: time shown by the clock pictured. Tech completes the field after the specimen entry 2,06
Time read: 6,01
